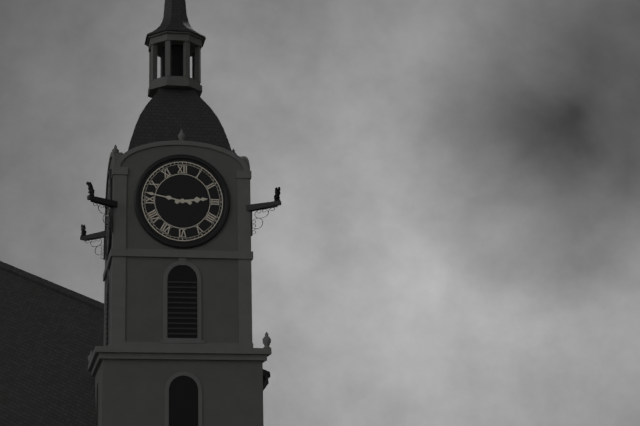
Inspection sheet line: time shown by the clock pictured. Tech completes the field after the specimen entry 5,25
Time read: 2,47
